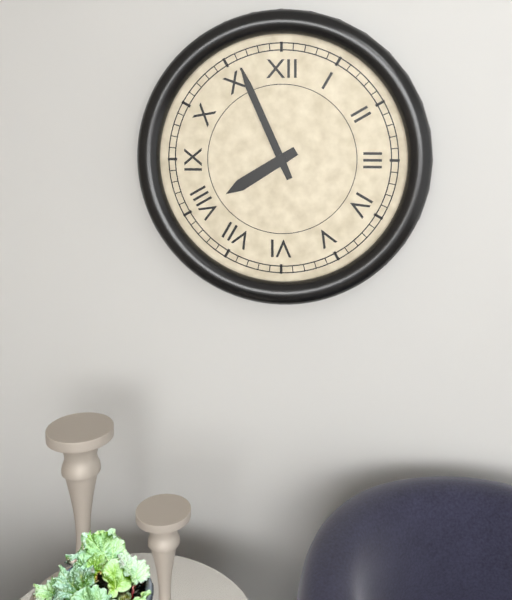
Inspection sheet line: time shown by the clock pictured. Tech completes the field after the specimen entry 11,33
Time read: 7,56
